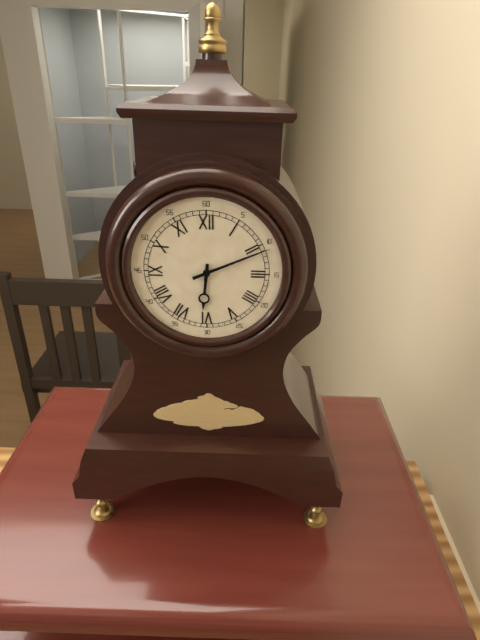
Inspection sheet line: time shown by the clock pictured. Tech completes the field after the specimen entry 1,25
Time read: 6,11
